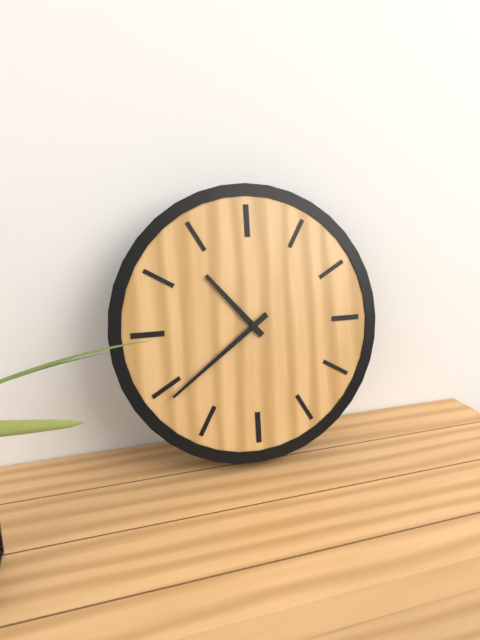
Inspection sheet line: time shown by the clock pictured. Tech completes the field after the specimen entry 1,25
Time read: 10,39
